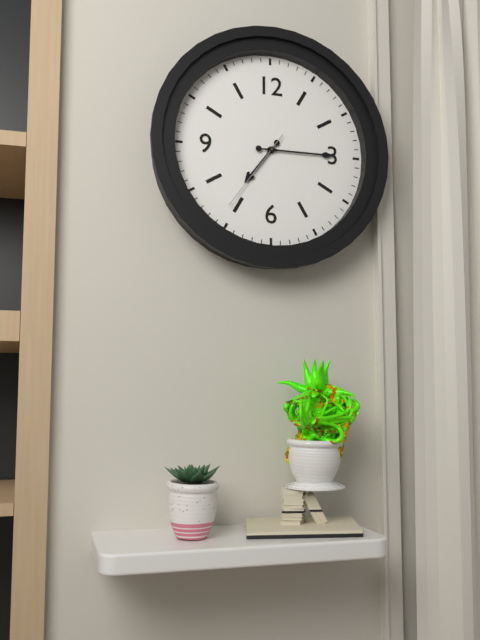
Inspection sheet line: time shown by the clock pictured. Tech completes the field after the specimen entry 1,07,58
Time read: 7,15,36
